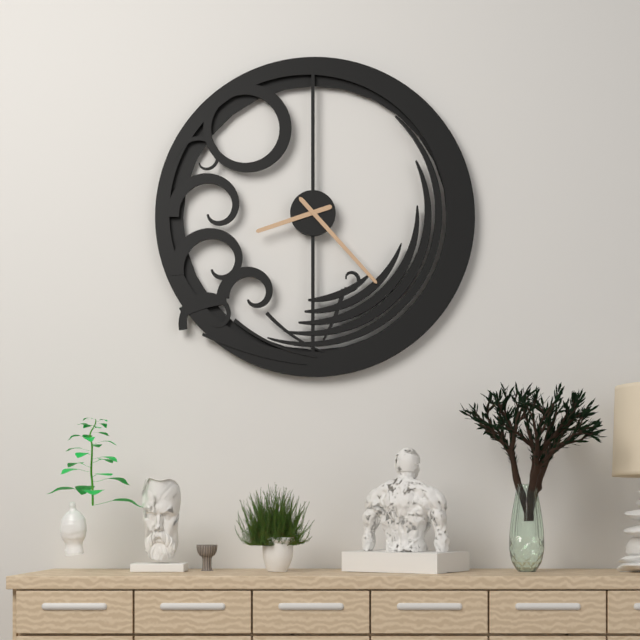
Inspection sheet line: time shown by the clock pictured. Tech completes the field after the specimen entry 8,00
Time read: 8,23
